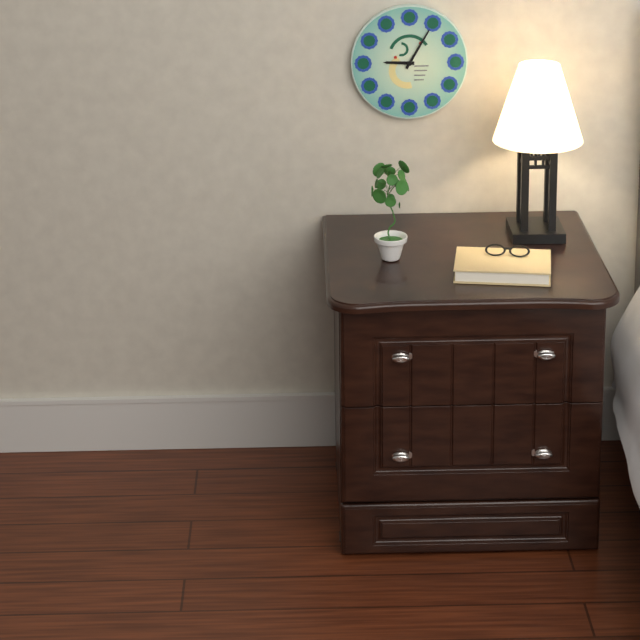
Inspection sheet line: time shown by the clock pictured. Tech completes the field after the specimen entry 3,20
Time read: 9,05
